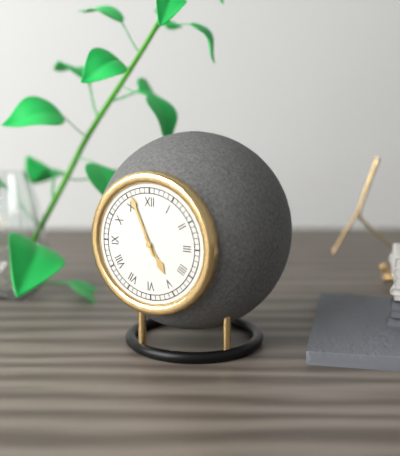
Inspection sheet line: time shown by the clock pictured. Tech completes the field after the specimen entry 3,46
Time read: 4,56
